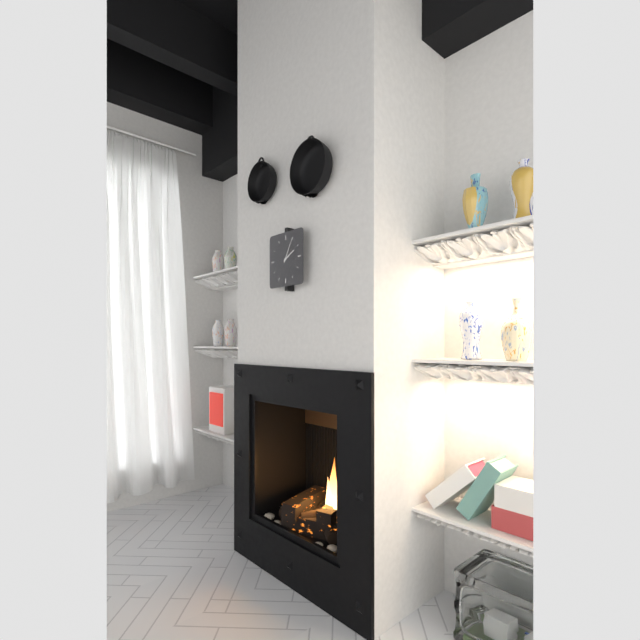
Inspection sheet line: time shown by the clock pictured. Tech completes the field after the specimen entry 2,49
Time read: 2,05
